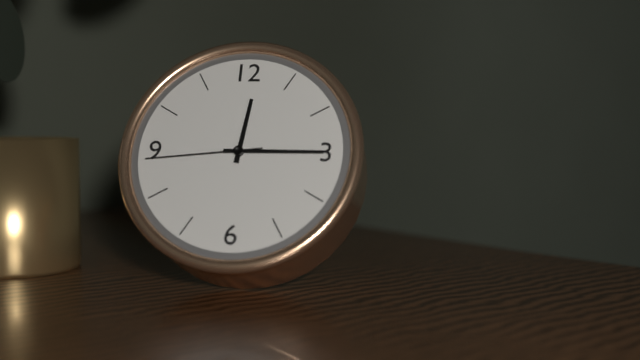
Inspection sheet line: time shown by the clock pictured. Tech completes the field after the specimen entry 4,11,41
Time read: 12,15,44
